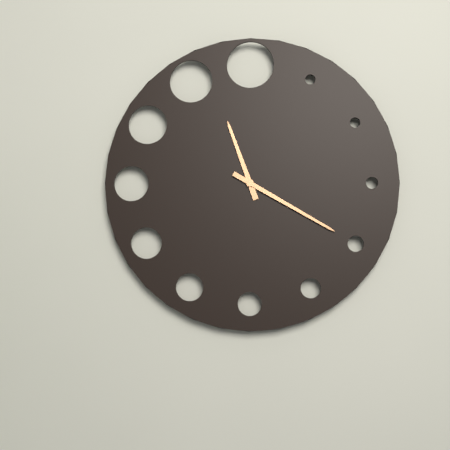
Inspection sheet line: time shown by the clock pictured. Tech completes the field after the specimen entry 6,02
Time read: 11,20
